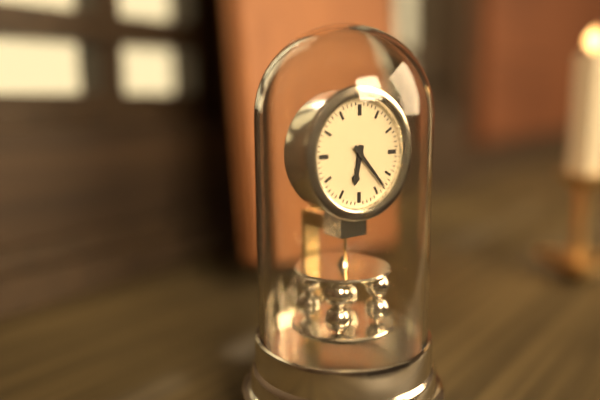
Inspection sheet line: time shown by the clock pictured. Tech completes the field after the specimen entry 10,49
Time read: 6,23
